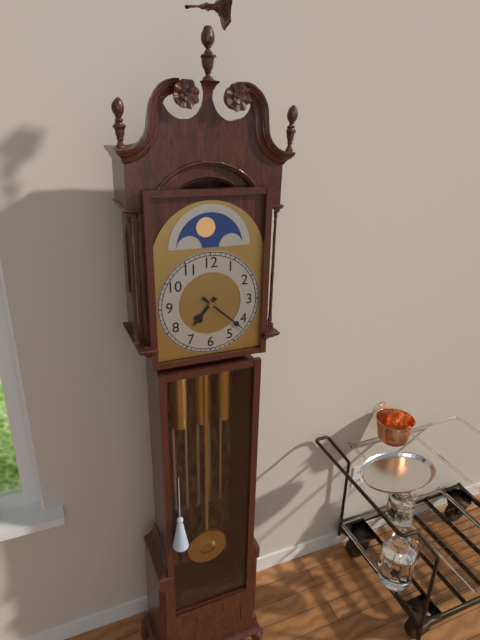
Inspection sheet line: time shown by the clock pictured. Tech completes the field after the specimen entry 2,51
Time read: 7,22
